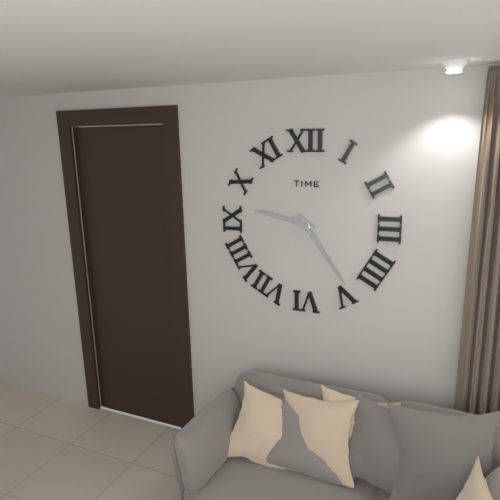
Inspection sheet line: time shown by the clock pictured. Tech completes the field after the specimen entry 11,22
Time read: 9,24
